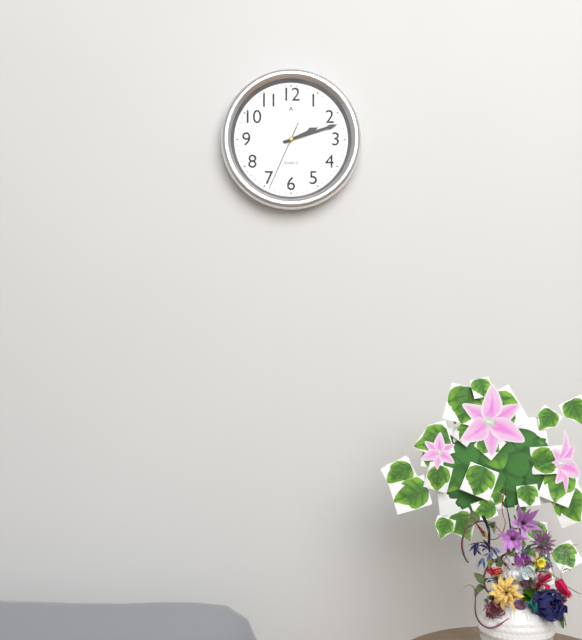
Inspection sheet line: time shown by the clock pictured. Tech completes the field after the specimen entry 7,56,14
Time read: 2,12,34
